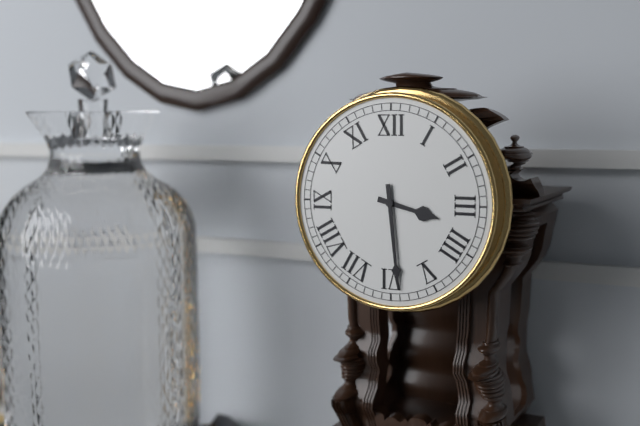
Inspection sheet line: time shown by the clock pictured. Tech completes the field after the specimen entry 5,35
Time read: 3,29
